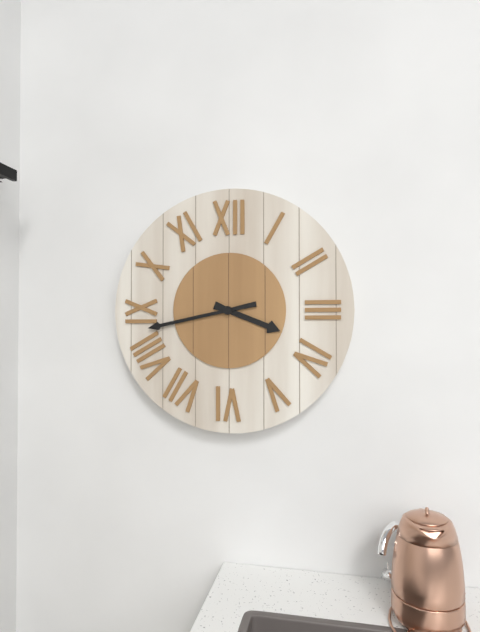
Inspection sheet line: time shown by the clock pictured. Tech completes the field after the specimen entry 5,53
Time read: 3,43
